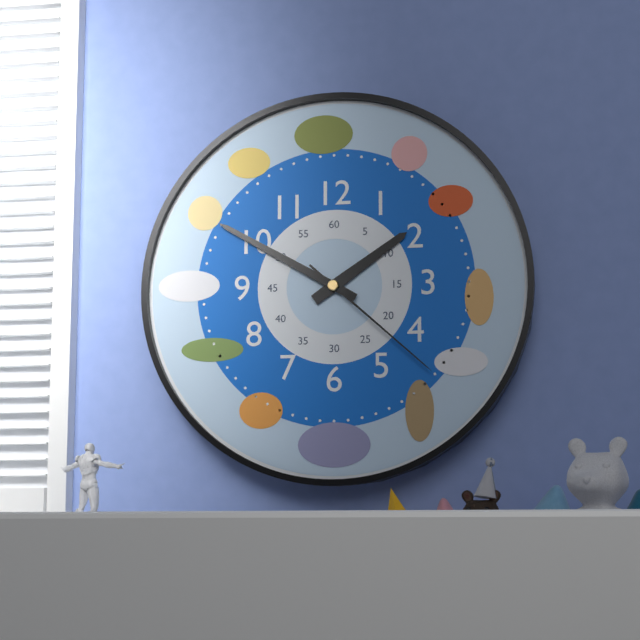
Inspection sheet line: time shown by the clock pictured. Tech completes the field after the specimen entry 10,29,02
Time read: 1,50,22
